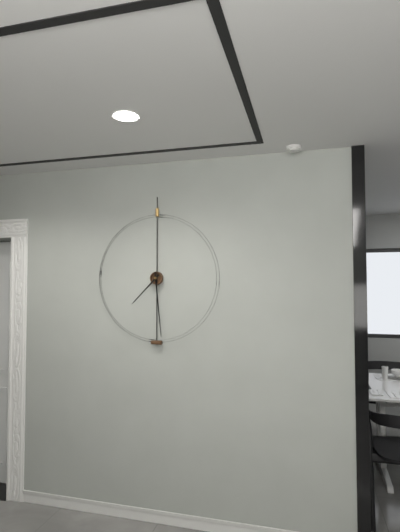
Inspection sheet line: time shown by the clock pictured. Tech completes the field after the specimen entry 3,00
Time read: 7,29
